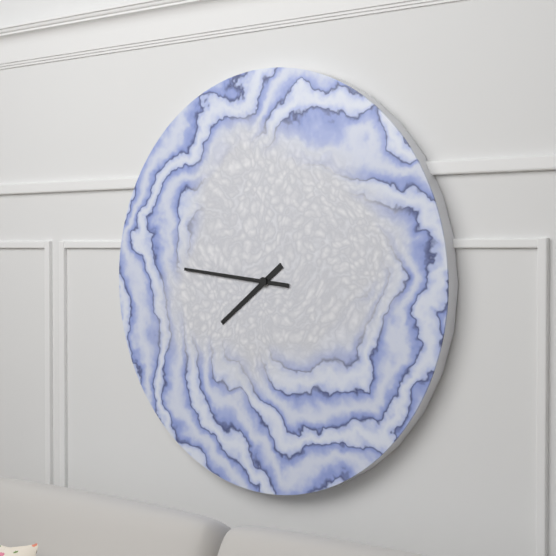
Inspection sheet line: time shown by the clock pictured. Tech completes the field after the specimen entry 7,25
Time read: 7,46
